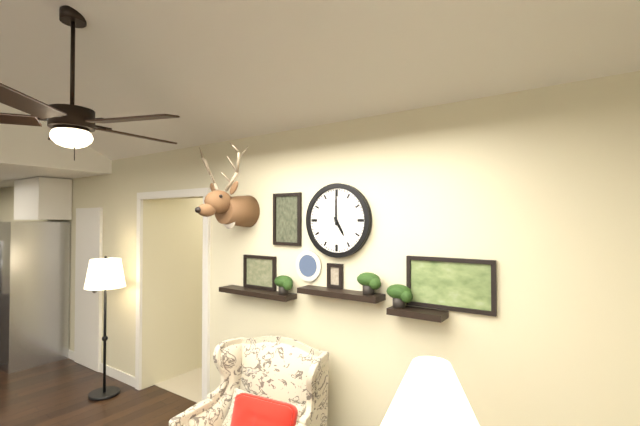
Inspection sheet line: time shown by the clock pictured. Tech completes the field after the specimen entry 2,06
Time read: 5,00
